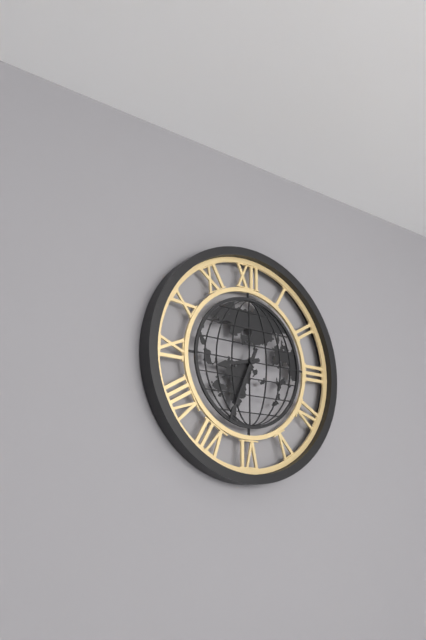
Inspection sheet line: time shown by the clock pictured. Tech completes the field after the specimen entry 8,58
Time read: 8,34
